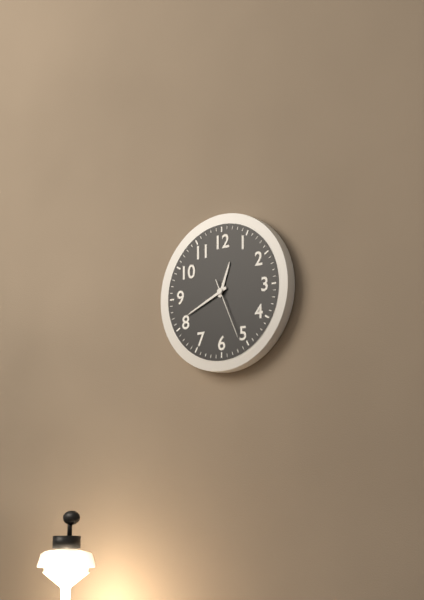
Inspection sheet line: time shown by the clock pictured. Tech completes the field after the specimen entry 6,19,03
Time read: 12,41,26
